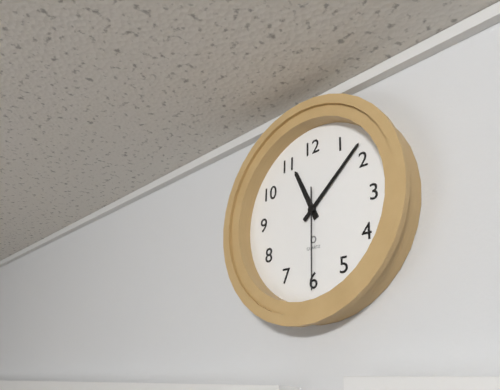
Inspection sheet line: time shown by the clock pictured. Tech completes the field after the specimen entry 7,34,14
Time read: 11,08,30
